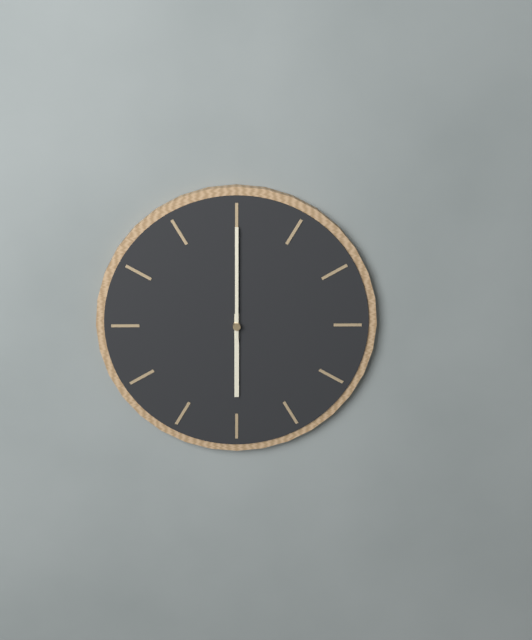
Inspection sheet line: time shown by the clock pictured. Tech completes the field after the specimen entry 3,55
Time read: 6,00
